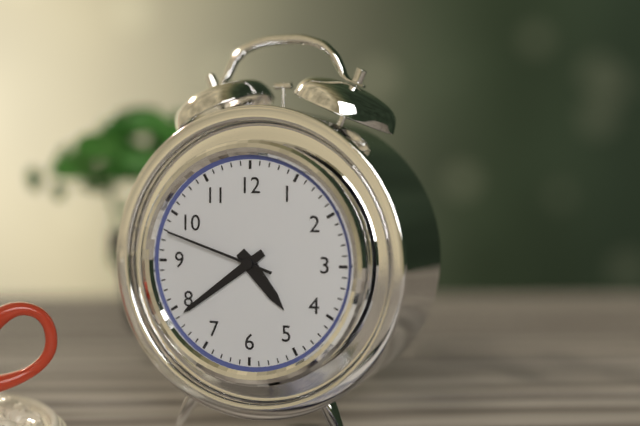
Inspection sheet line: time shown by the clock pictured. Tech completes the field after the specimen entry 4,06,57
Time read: 4,39,48
